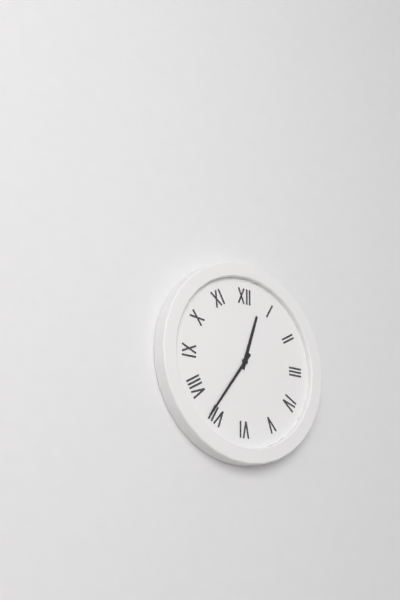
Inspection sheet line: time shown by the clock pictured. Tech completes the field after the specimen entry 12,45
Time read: 12,36
